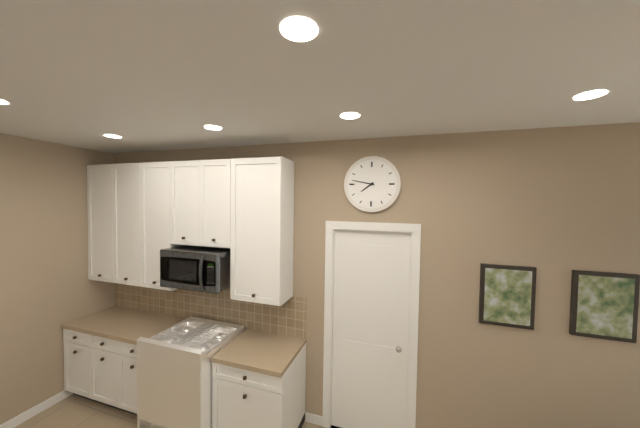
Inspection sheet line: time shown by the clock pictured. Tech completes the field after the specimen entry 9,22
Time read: 7,47
